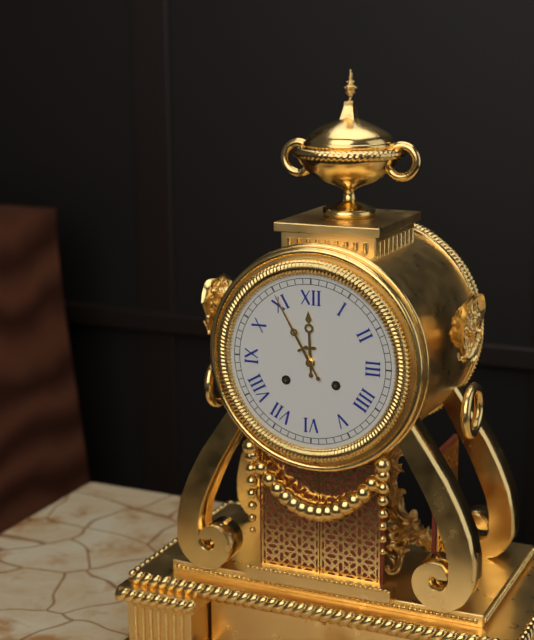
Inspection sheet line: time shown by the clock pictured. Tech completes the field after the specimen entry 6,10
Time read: 11,55
